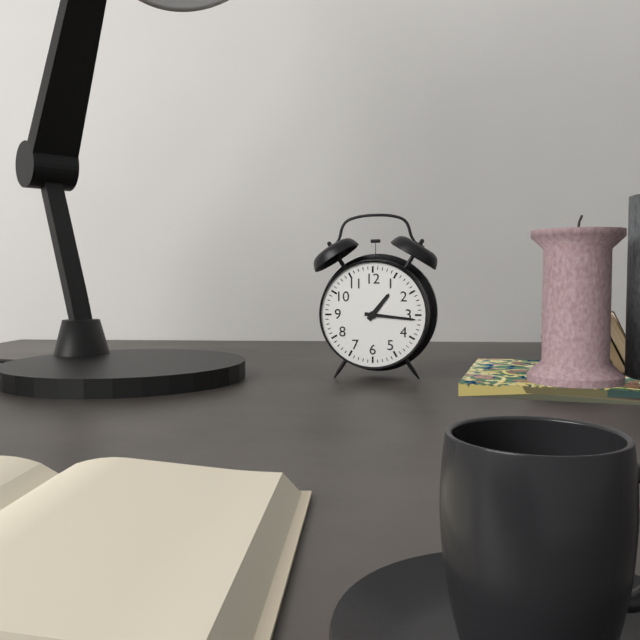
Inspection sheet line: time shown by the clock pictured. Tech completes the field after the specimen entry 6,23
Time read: 1,16
